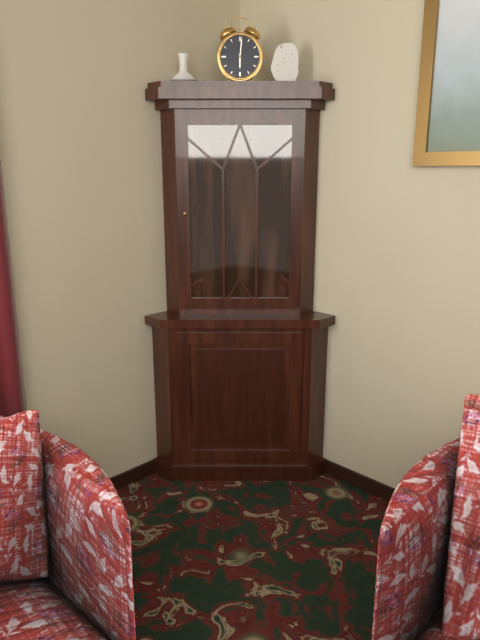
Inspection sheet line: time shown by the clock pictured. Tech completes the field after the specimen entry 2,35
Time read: 6,01
